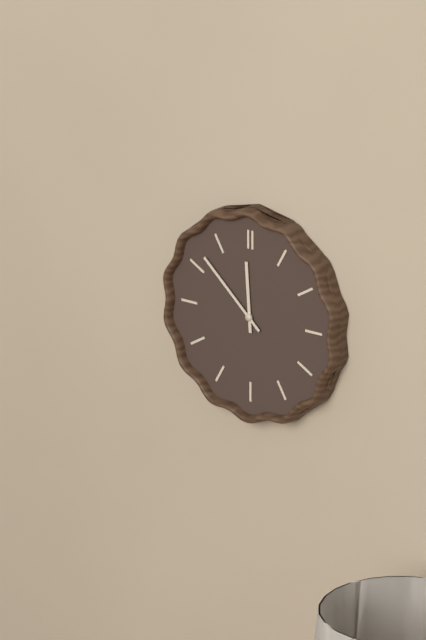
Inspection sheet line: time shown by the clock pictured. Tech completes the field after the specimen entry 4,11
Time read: 11,52
